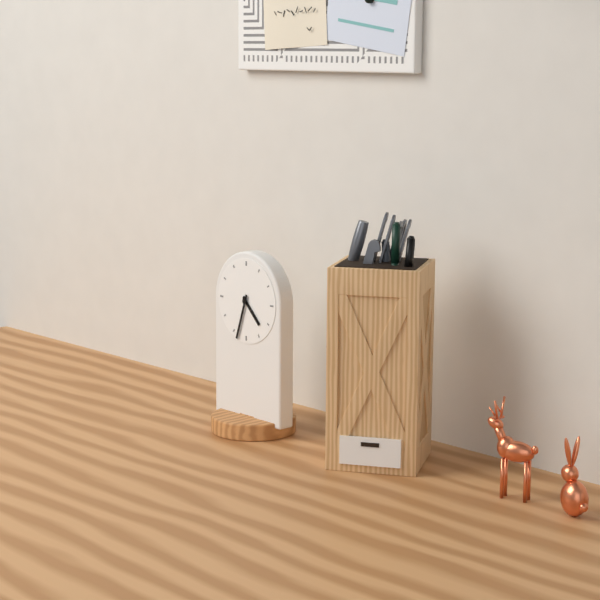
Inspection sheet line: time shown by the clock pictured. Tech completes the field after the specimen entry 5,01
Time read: 4,33
